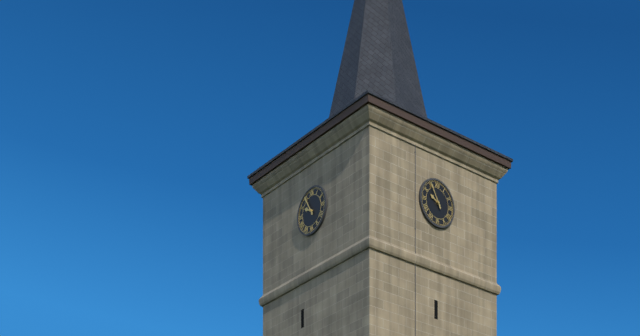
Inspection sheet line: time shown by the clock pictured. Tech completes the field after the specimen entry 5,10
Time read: 9,55
